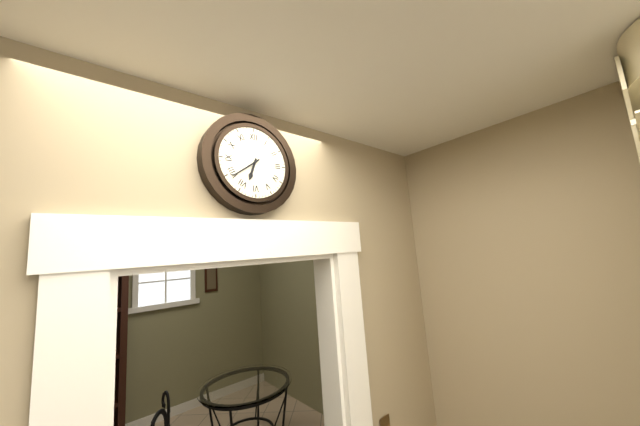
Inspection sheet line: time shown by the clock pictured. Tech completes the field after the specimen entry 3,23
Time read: 6,39
